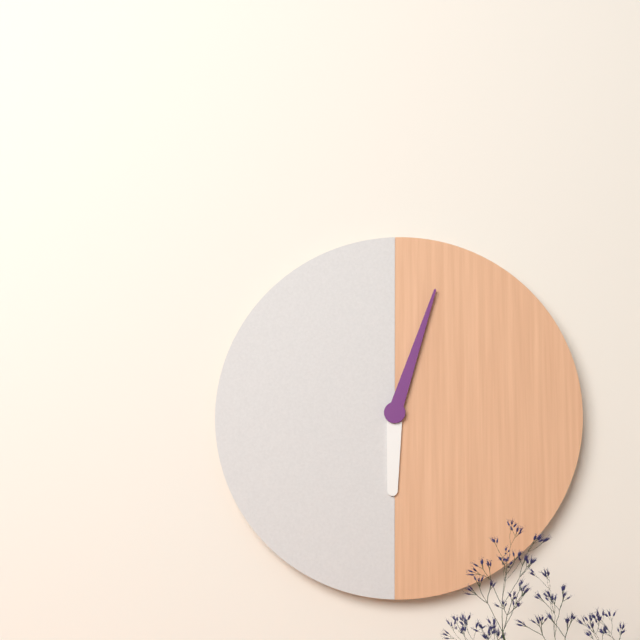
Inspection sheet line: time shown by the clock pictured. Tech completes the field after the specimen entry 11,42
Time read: 6,03
